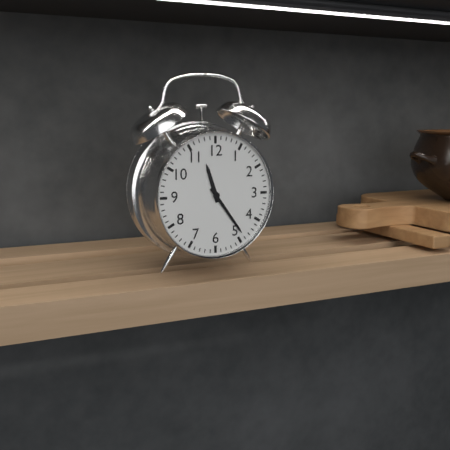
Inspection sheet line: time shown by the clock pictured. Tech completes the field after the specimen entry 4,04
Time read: 11,24
